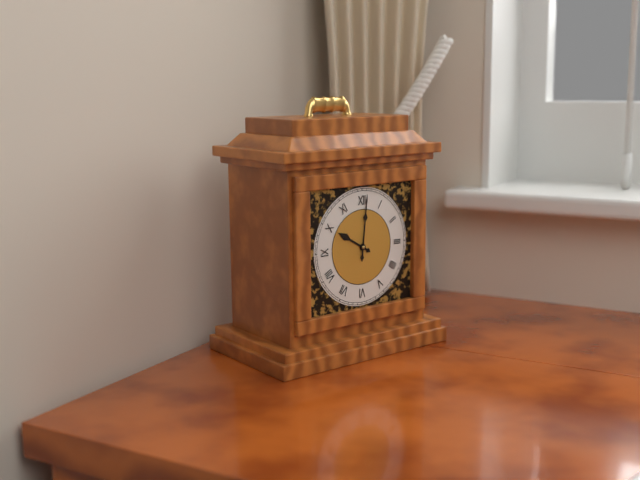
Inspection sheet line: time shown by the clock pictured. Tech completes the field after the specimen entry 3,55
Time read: 10,01
